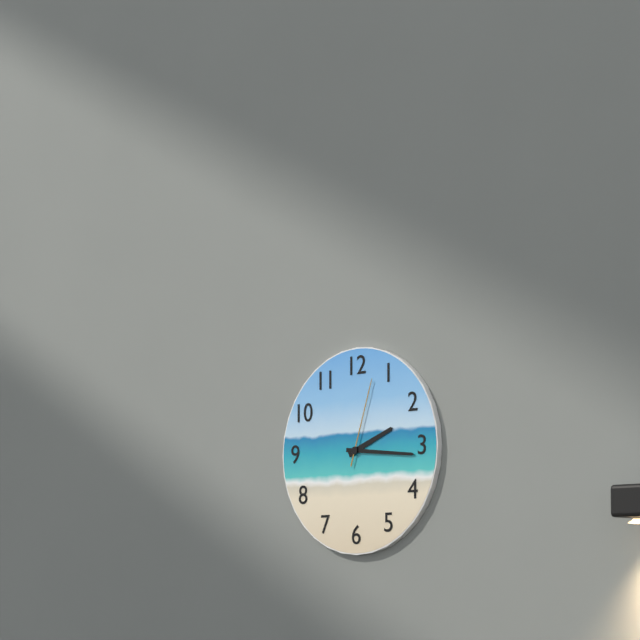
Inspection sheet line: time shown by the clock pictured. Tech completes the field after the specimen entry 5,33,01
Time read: 2,16,03
